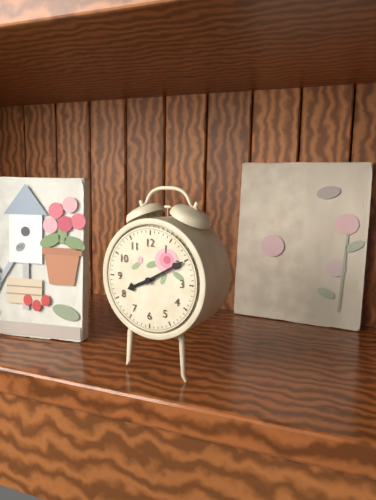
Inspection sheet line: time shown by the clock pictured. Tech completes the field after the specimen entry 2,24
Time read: 8,10
